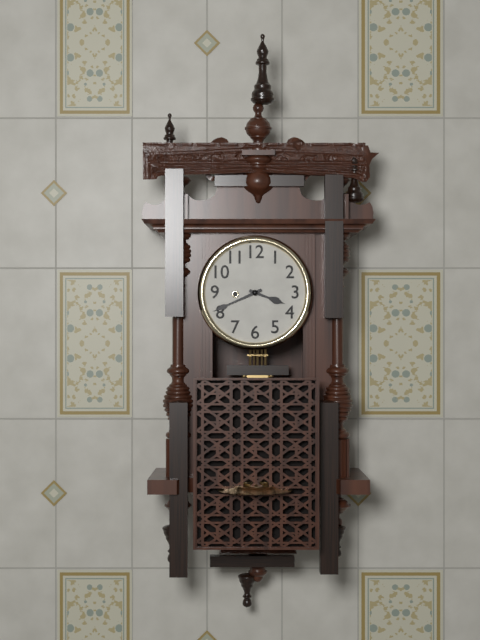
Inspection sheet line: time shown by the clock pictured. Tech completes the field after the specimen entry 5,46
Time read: 3,41
